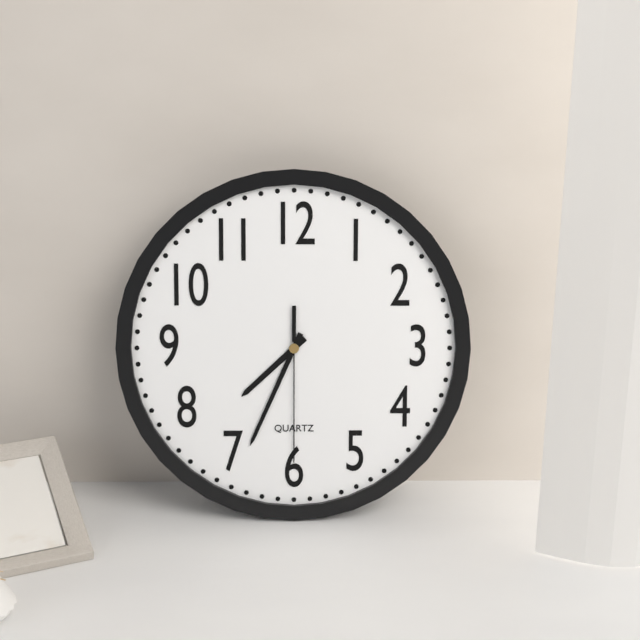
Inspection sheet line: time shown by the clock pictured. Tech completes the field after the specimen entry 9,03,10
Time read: 7,34,30
